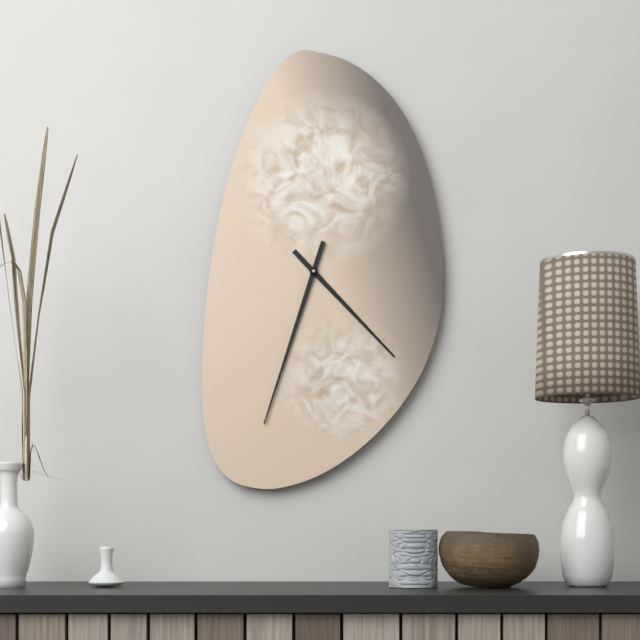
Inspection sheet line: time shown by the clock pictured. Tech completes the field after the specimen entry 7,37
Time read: 4,33
